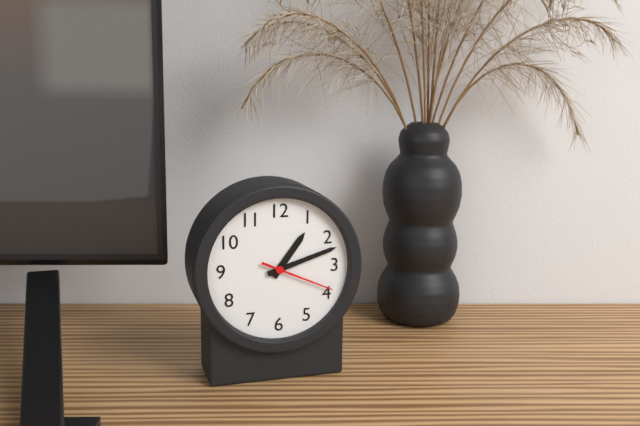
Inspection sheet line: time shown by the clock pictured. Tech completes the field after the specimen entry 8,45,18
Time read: 1,12,19
